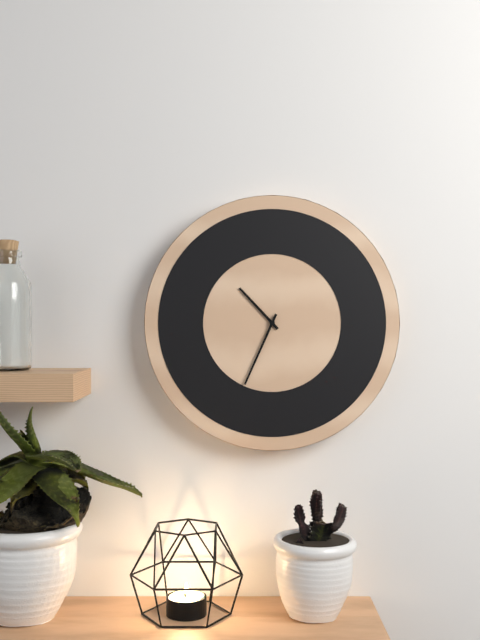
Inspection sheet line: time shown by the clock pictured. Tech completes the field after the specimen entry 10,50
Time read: 10,34
